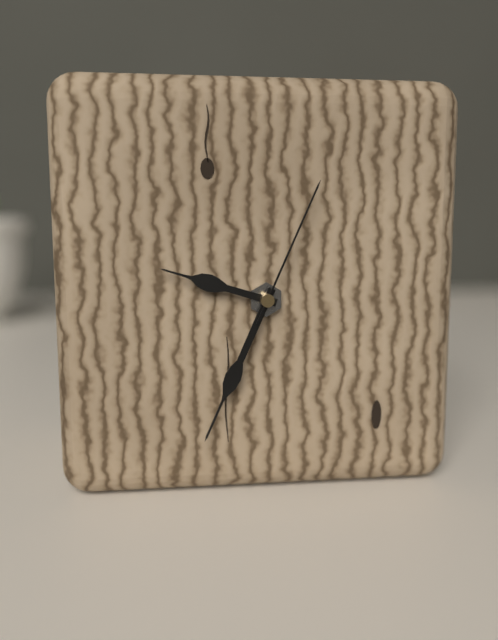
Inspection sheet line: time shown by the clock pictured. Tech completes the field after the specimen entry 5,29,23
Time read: 9,34,04
